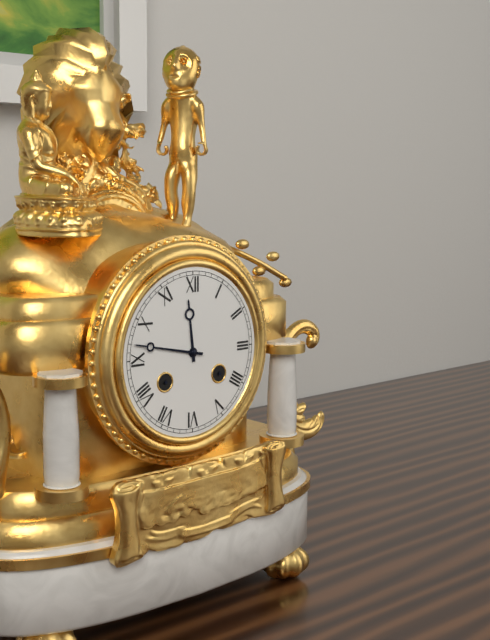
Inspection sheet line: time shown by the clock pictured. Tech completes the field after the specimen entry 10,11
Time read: 11,47
